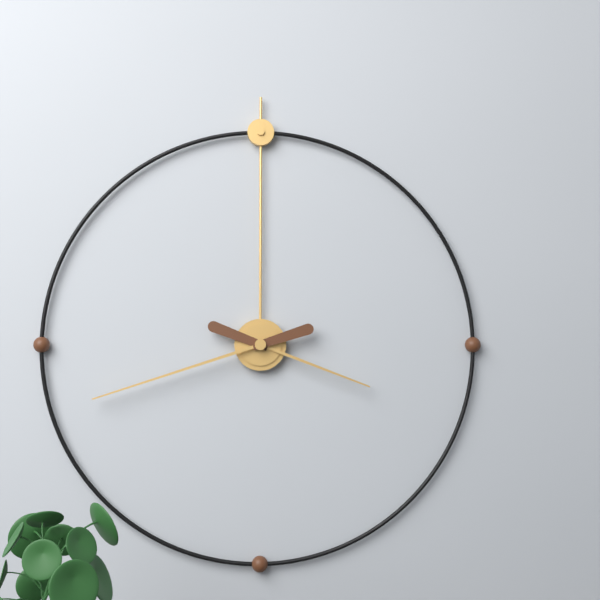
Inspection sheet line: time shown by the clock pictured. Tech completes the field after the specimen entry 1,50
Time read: 3,42
